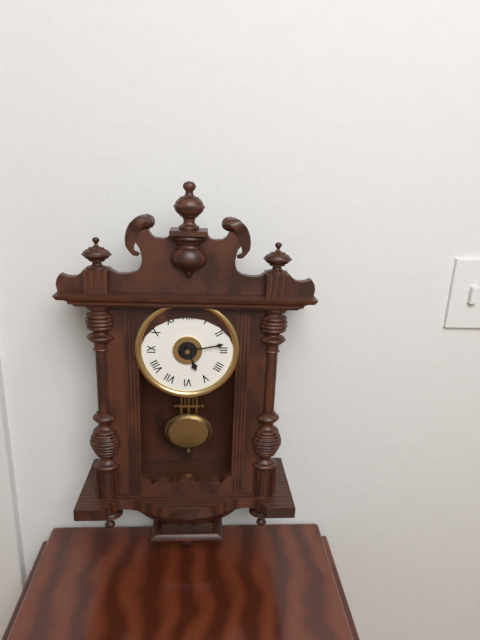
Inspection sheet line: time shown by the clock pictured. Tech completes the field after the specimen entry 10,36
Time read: 5,13
